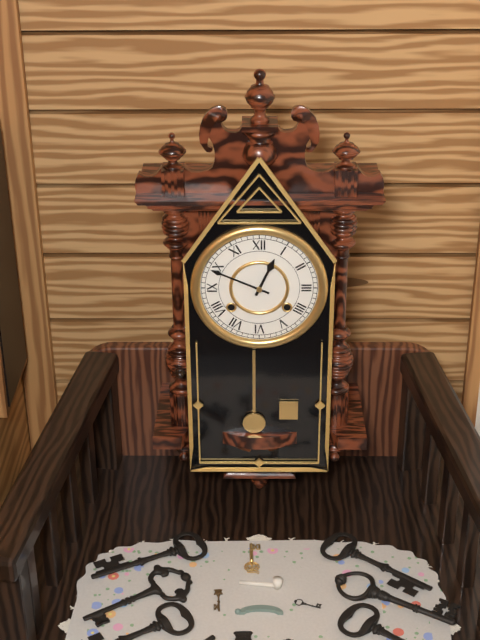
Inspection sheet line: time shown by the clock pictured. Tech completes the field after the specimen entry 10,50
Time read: 12,49
